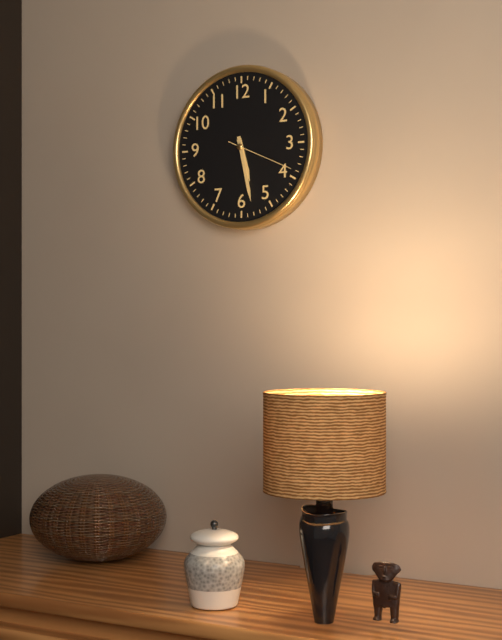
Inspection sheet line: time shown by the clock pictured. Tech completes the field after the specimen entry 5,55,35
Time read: 5,28,19
